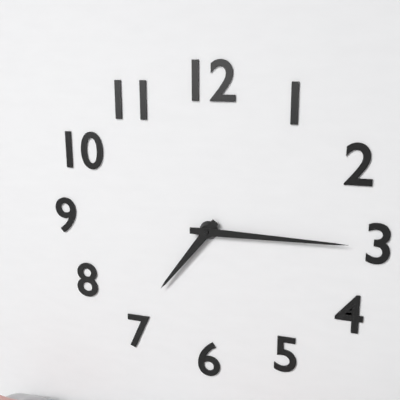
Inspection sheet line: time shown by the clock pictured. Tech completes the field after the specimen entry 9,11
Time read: 7,15
